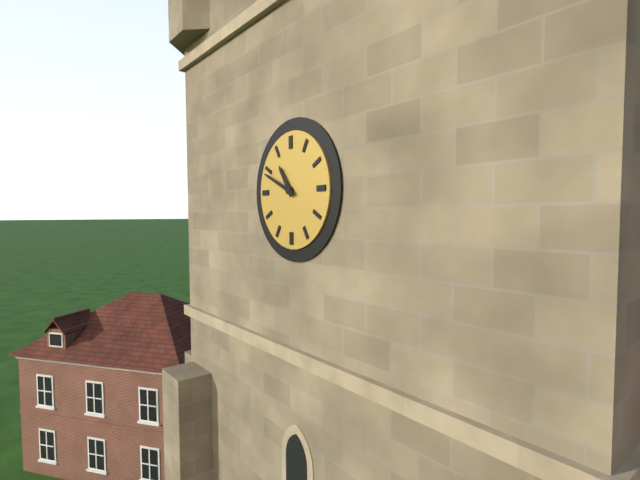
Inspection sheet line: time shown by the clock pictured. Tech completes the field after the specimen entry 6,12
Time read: 10,49
